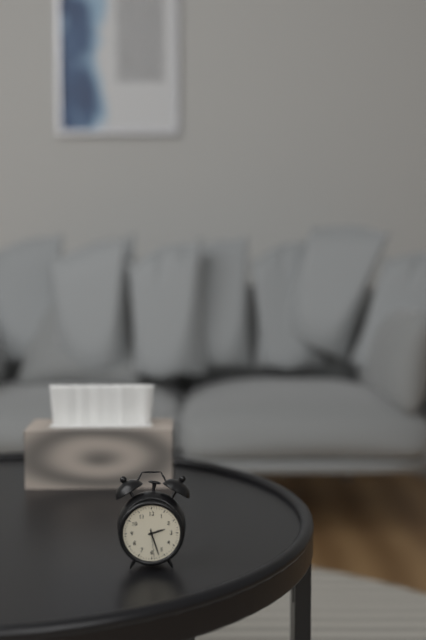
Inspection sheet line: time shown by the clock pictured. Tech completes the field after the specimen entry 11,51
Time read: 2,27
